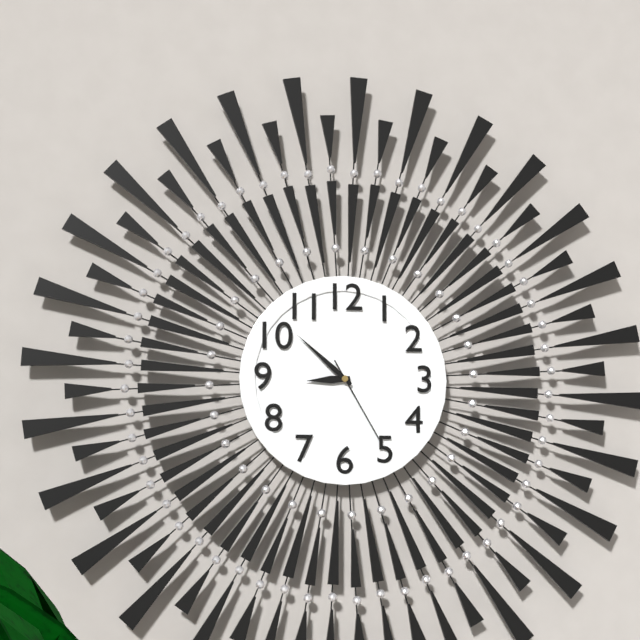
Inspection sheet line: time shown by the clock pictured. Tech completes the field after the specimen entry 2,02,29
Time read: 8,52,25
